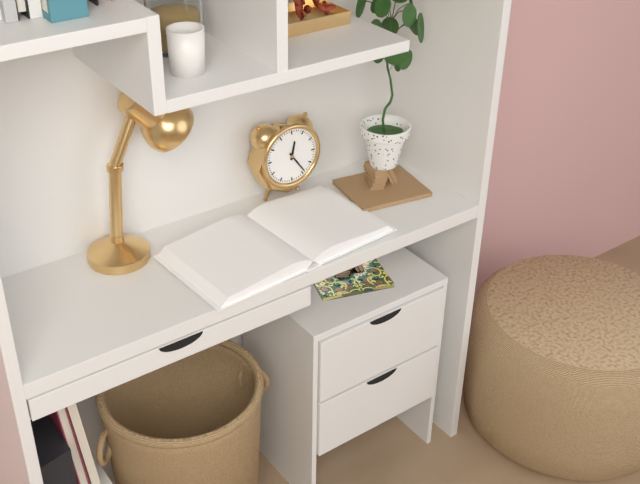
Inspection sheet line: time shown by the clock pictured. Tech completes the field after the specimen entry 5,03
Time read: 12,24
